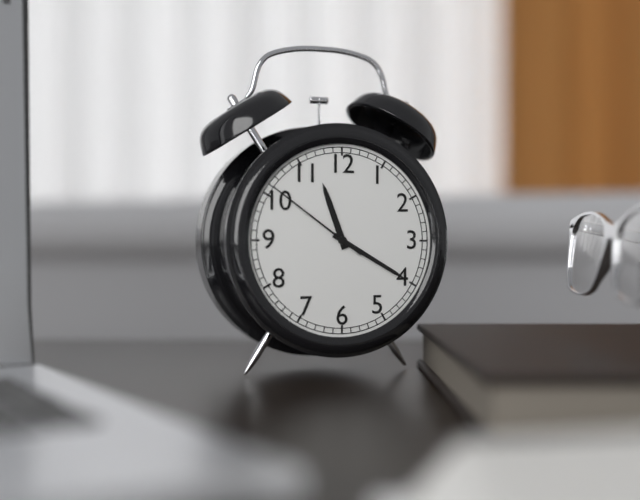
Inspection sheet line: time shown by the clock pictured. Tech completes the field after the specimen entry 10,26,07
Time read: 11,20,51
